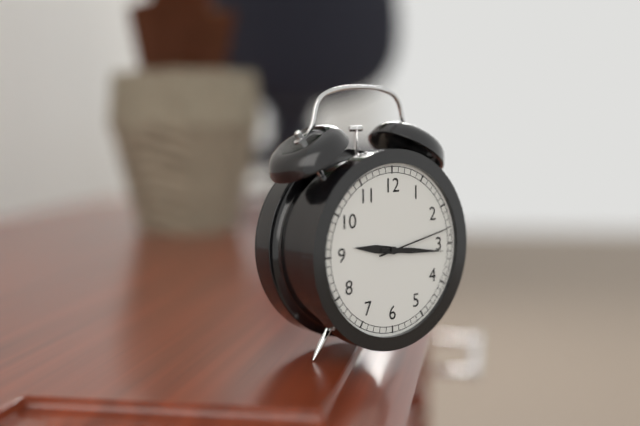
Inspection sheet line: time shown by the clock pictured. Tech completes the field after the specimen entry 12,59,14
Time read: 9,16,13
